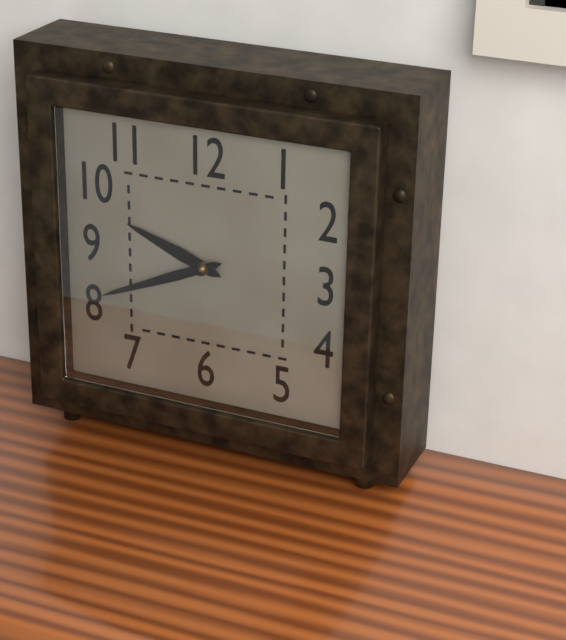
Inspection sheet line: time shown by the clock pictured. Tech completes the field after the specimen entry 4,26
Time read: 9,41
